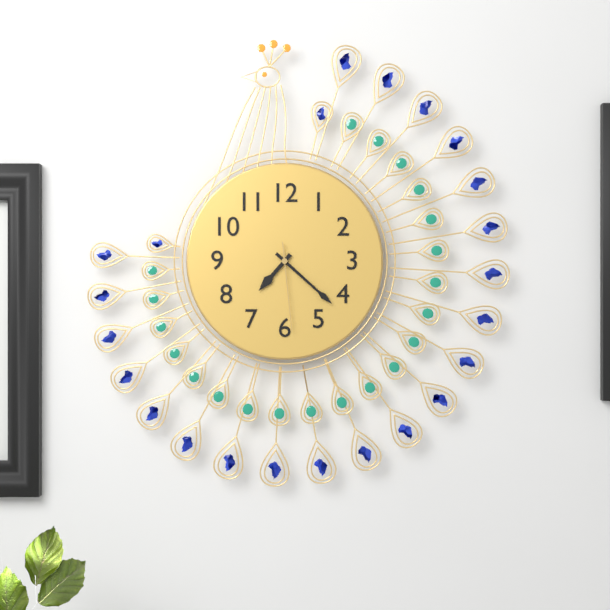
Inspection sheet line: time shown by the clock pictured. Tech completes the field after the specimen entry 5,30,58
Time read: 7,22,29
